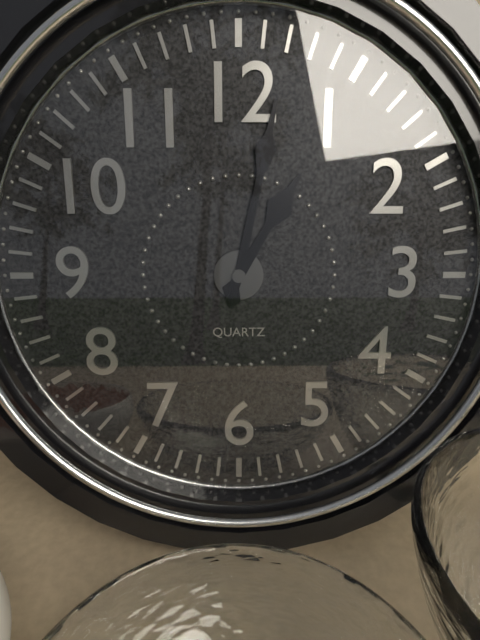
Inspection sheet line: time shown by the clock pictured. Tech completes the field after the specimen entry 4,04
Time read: 1,02
